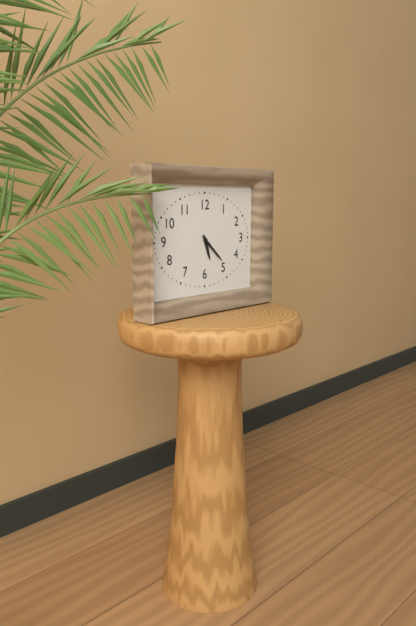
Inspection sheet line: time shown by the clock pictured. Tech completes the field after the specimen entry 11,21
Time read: 5,22
